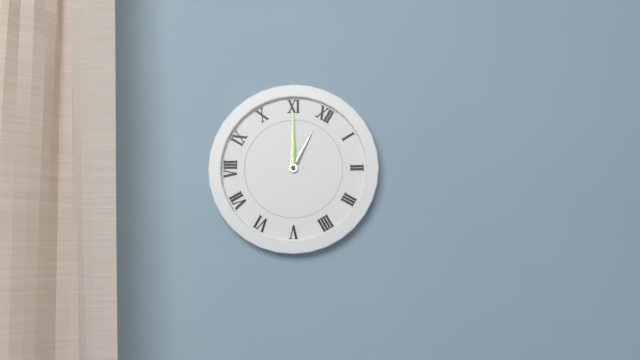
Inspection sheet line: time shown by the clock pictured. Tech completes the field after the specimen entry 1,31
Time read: 11,55
